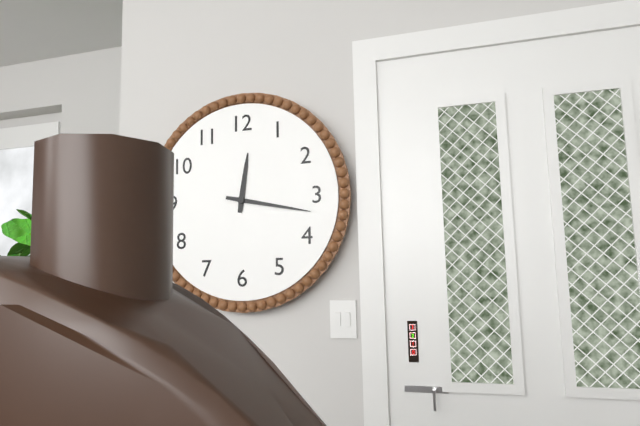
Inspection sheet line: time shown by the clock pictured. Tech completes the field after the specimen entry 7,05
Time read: 12,17
